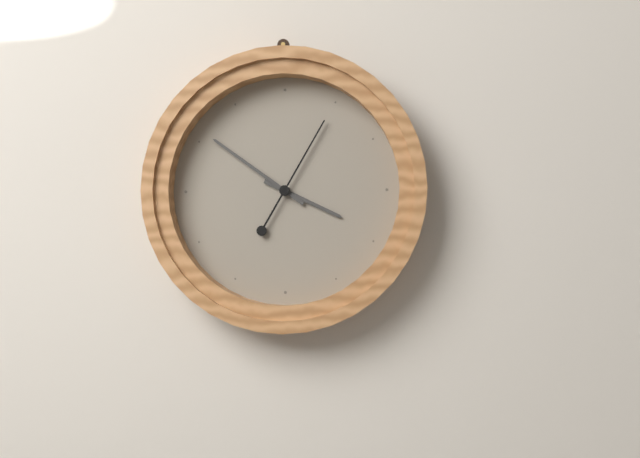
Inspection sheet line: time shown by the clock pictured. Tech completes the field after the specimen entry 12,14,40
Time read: 3,51,05
